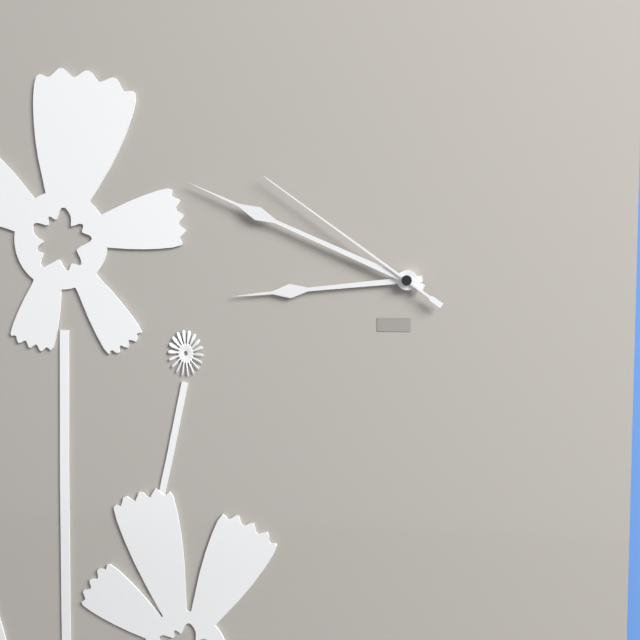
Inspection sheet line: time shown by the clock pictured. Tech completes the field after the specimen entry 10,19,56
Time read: 8,49,51
